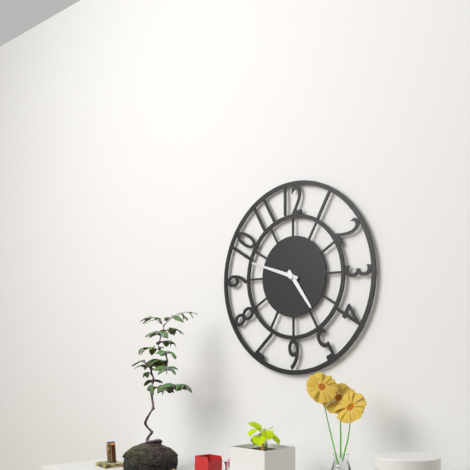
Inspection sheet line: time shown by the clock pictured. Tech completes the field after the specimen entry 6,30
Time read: 4,48
